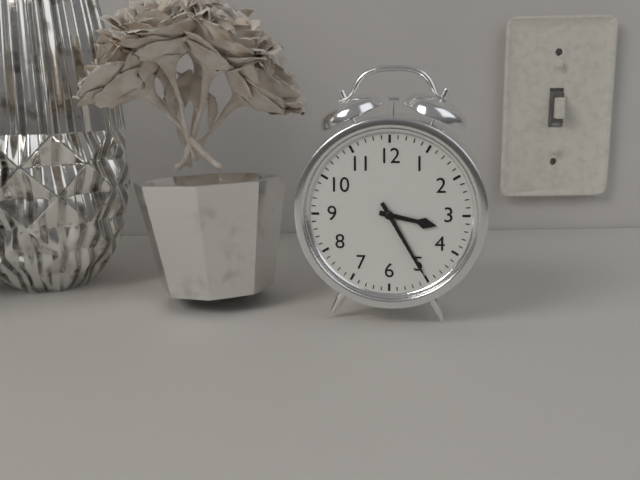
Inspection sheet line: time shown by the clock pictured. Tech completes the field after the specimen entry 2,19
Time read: 3,25
